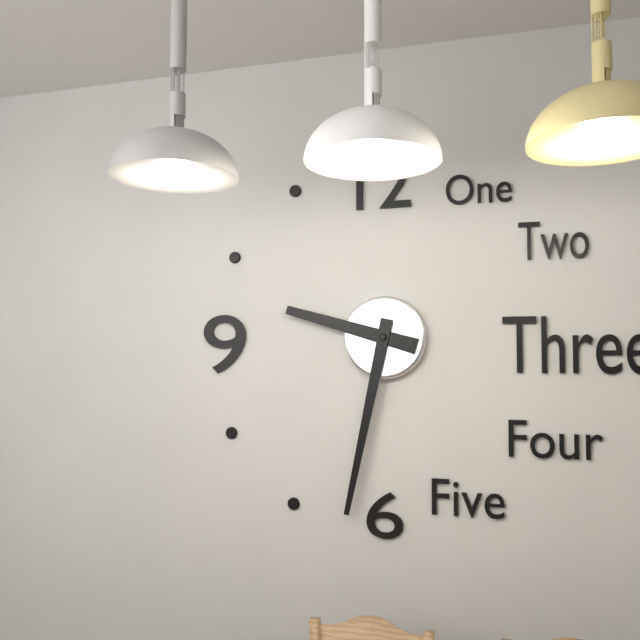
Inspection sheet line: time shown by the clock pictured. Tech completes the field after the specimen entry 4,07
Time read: 9,32
